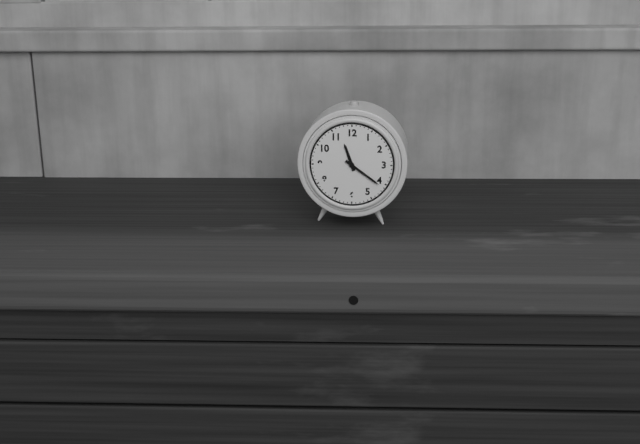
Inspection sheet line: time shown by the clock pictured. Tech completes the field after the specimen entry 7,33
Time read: 11,21
